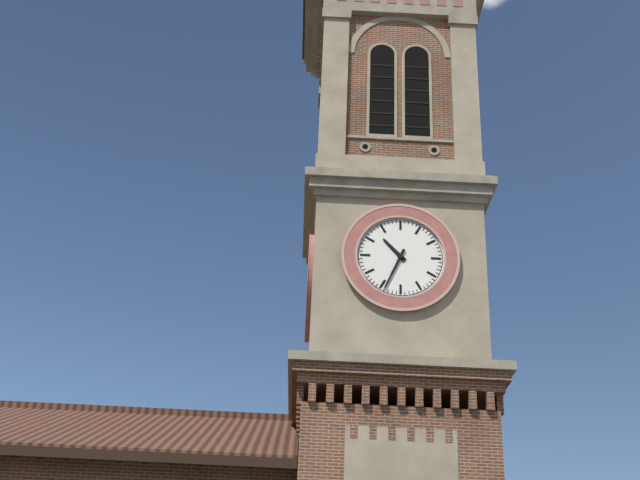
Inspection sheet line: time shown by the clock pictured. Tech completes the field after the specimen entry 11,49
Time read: 10,34
